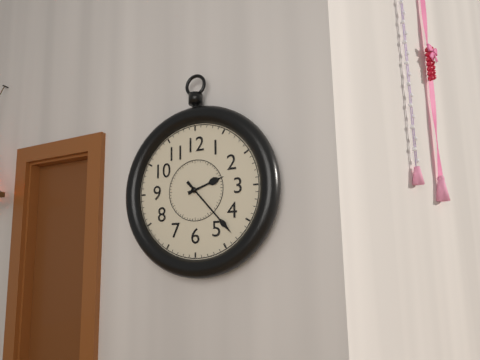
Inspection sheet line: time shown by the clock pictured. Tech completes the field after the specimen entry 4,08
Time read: 2,23
